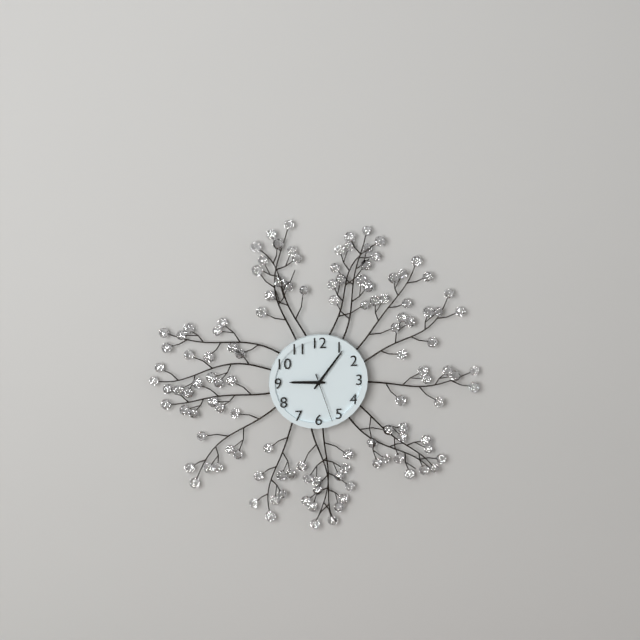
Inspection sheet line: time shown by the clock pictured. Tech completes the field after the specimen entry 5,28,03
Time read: 9,06,27
